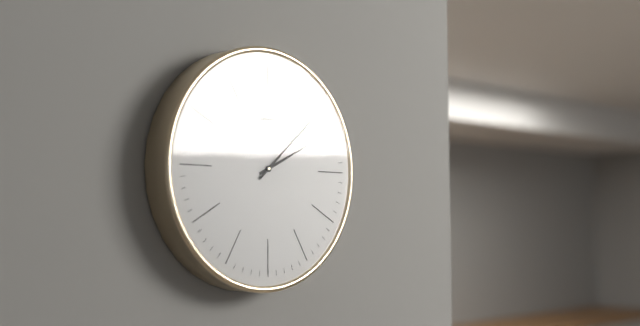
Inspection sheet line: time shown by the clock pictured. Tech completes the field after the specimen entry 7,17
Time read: 2,08
